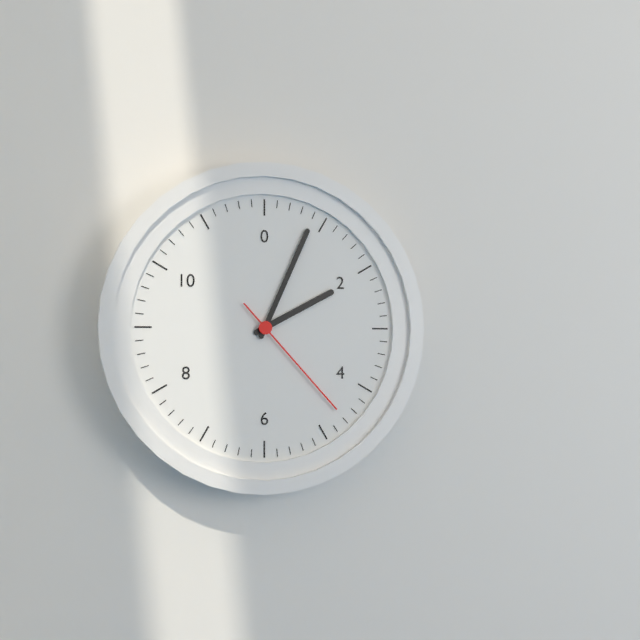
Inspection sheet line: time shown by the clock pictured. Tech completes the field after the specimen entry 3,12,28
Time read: 2,04,23
